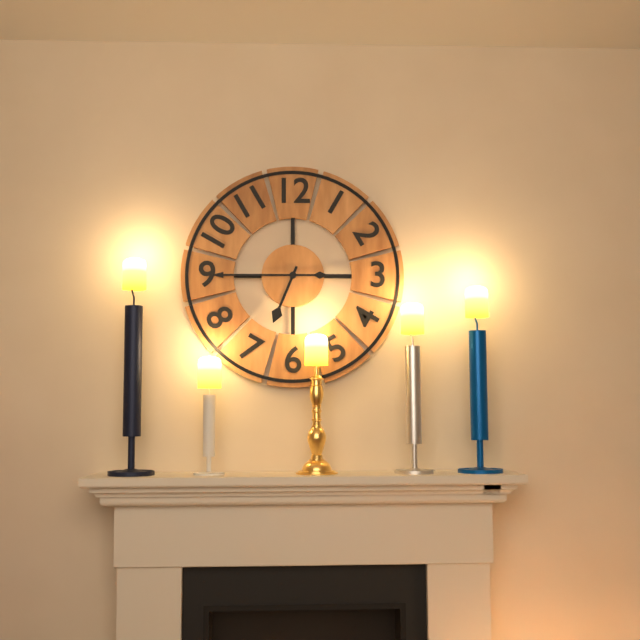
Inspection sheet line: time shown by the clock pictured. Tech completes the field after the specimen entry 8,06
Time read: 6,45
